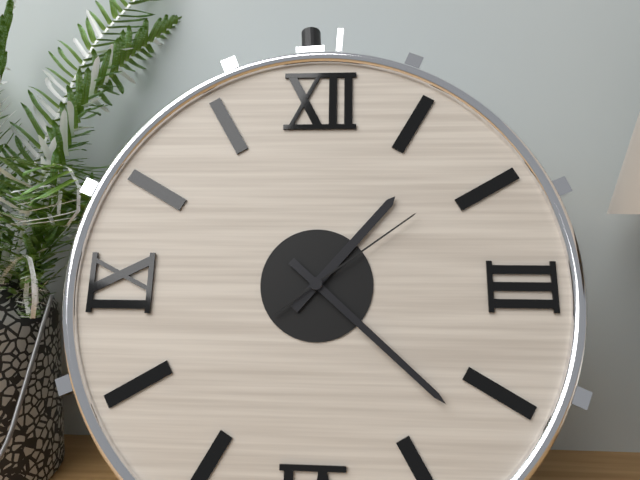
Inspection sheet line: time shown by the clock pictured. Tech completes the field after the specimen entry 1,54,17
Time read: 1,22,09
